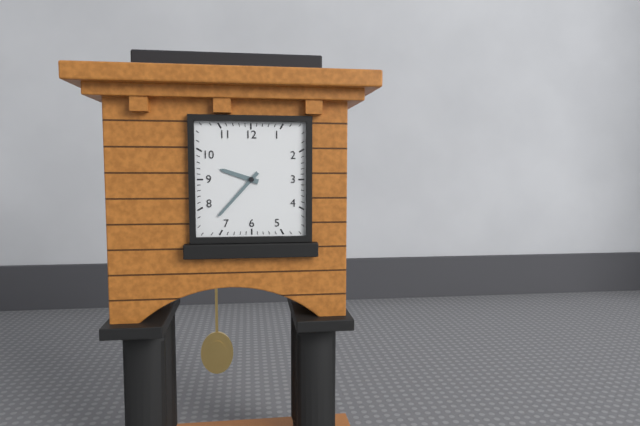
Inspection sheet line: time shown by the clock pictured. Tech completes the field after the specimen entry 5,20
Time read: 9,37
